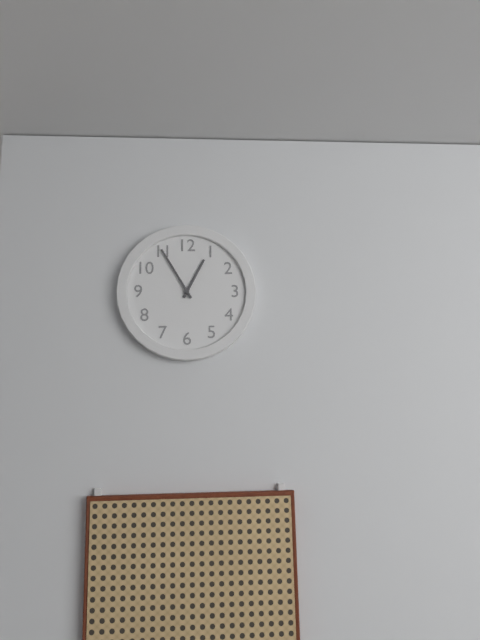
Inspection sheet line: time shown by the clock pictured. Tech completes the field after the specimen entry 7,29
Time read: 12,55
